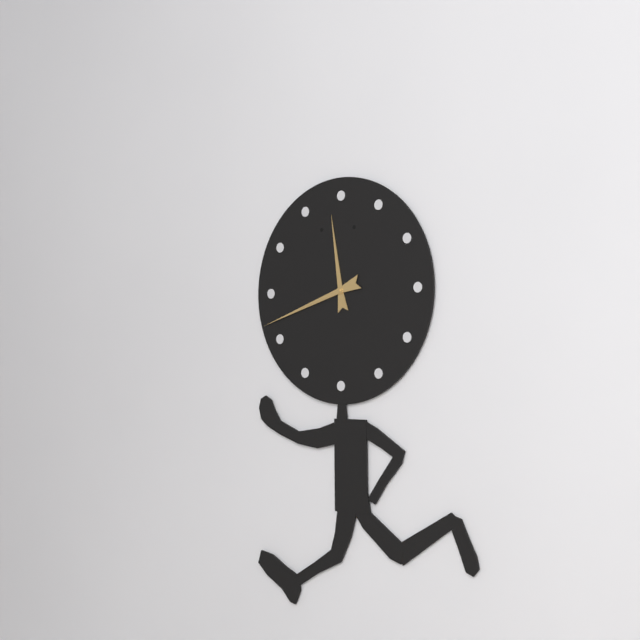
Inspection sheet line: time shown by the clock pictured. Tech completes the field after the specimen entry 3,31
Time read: 11,42
